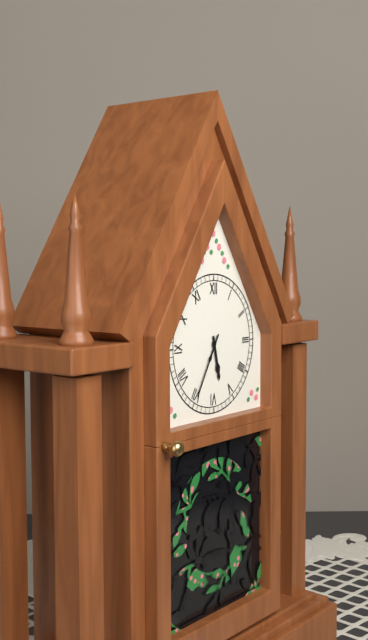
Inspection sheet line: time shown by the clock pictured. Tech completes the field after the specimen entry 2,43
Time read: 5,35
